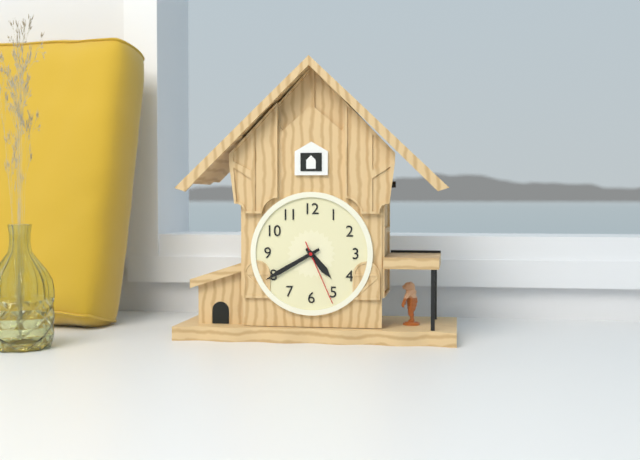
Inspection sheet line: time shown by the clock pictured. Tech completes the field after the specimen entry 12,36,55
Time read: 4,40,26
